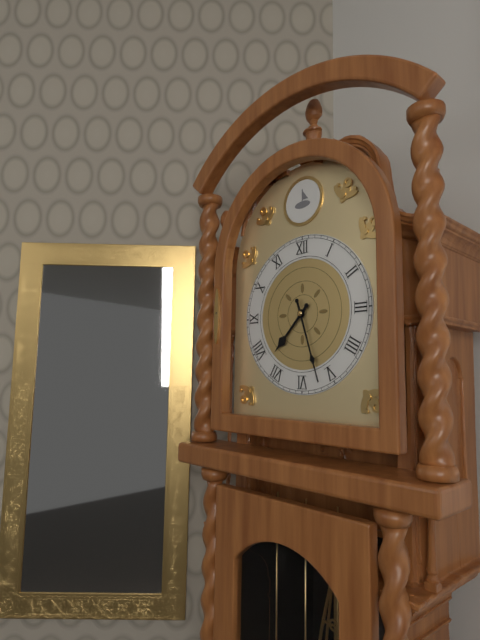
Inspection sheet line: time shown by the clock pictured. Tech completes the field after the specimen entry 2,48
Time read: 7,27
